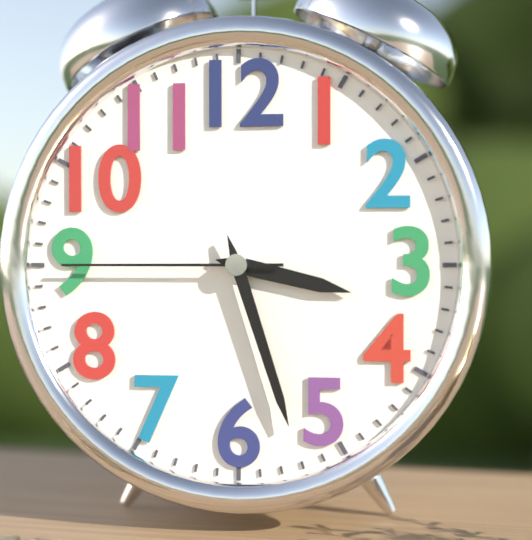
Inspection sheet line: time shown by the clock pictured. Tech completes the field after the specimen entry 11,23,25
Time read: 3,27,45
